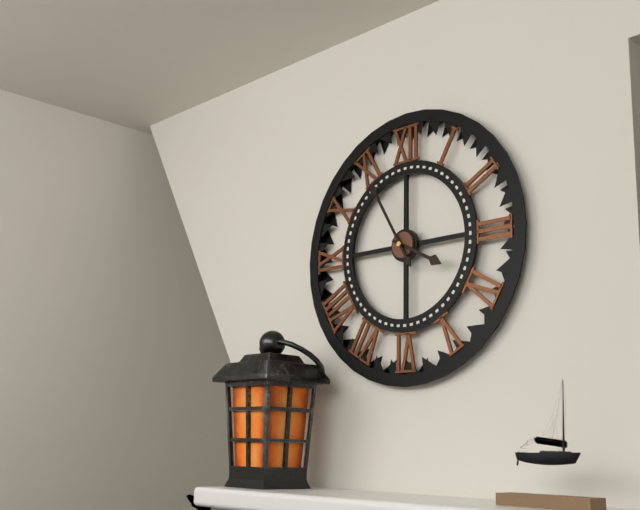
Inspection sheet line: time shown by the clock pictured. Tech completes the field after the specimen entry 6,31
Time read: 3,55
